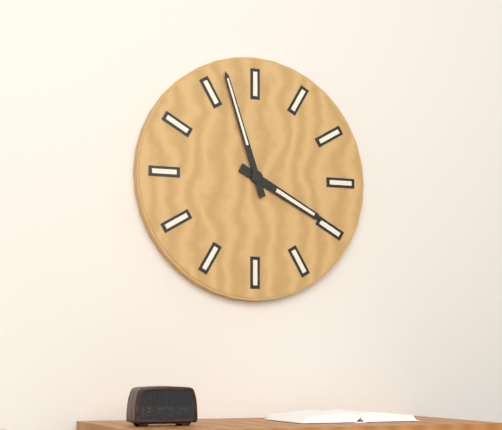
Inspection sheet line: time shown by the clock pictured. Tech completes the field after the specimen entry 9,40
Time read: 3,57
